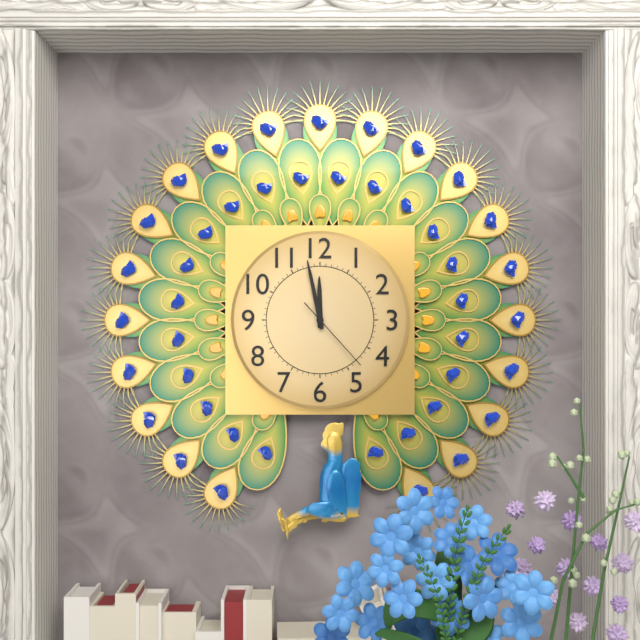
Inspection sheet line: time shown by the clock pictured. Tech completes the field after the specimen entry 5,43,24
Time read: 11,58,23
